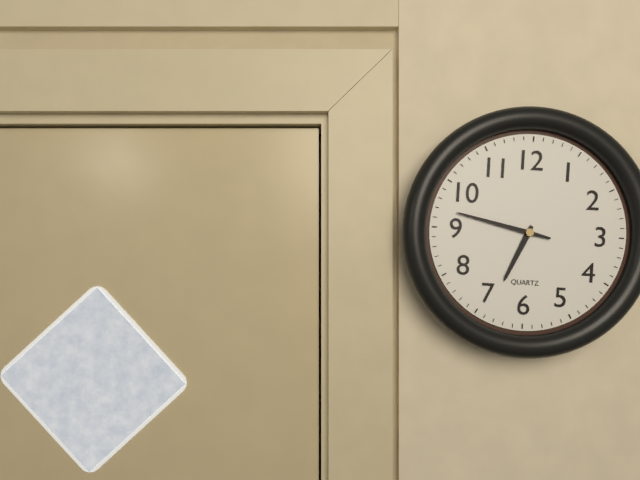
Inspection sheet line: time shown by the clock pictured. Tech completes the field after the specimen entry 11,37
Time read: 6,47
